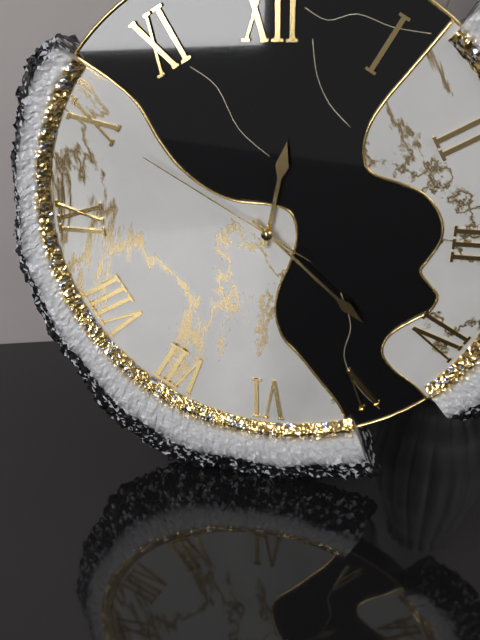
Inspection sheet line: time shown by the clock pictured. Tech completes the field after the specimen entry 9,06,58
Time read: 12,22,50
